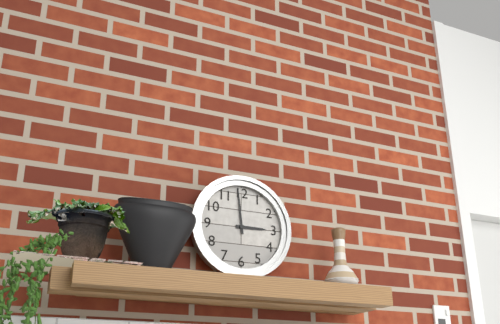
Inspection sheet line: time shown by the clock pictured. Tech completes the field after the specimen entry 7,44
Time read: 2,59
